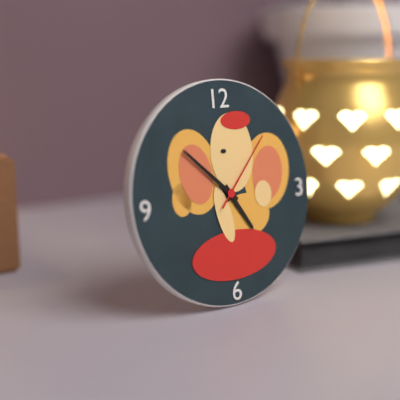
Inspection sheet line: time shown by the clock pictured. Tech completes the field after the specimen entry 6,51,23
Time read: 4,52,07
